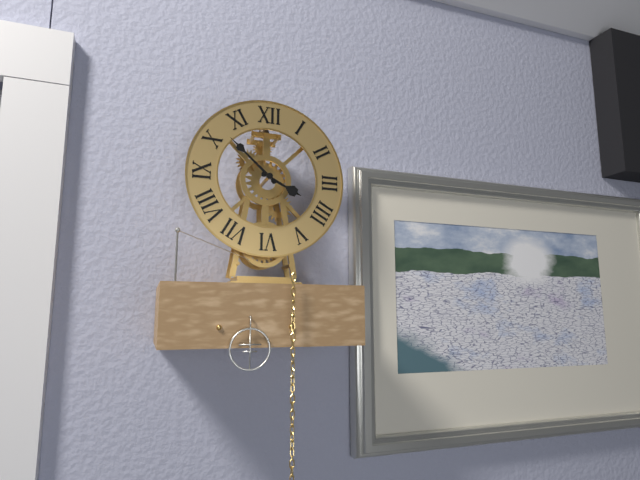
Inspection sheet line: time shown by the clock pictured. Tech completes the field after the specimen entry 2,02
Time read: 3,52
